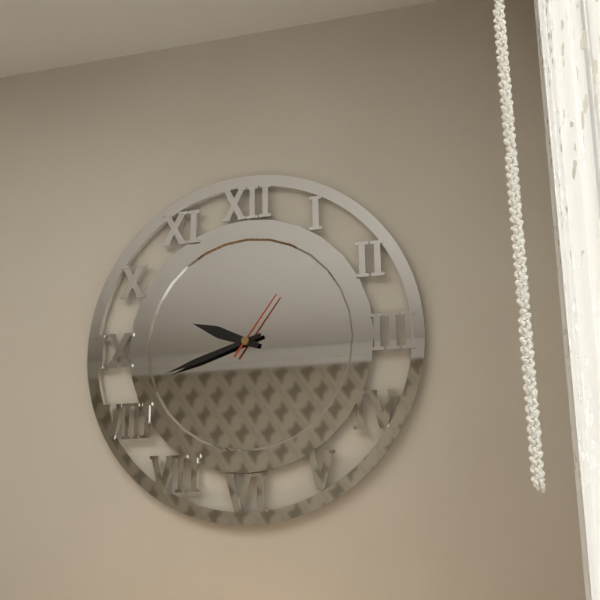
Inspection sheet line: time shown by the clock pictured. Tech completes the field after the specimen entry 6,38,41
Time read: 9,42,06
